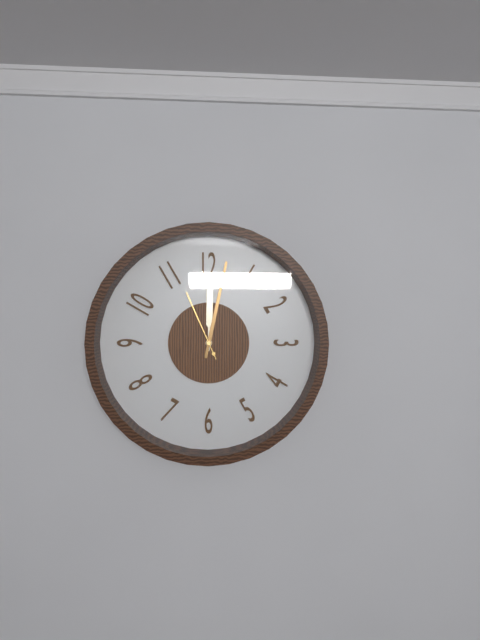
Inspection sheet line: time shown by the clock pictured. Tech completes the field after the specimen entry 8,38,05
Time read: 12,02,56
